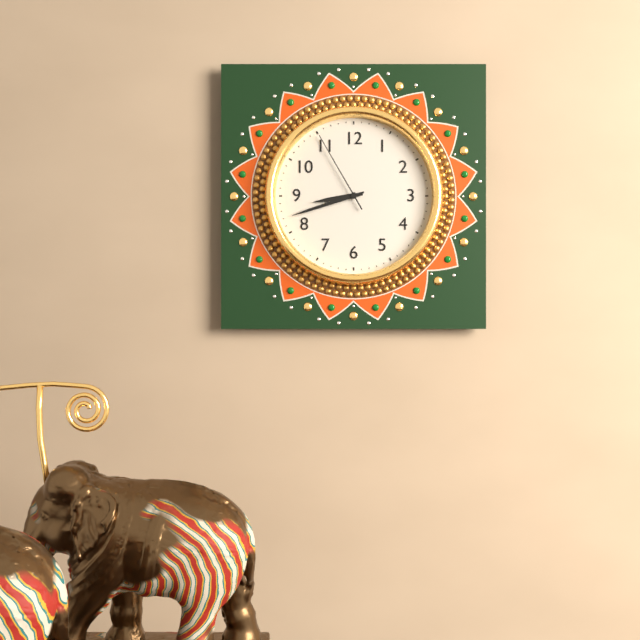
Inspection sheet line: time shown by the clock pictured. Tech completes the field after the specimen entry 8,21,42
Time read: 8,42,55
